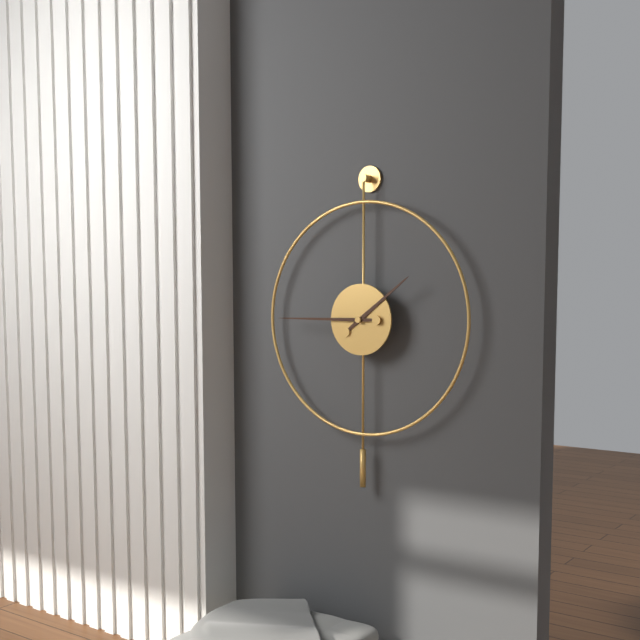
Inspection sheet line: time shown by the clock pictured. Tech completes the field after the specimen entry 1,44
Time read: 1,45
